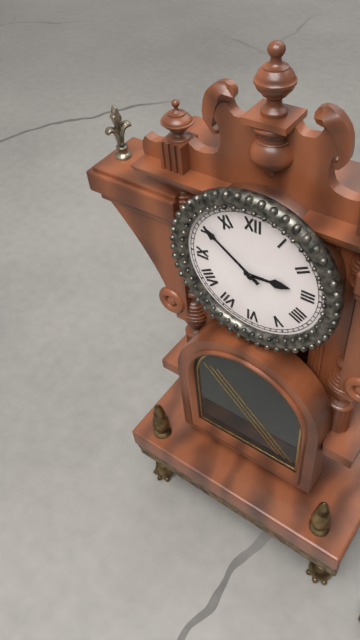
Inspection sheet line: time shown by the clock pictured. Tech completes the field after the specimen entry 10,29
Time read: 2,51
